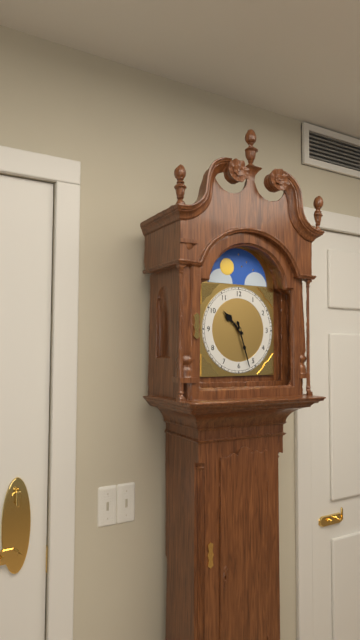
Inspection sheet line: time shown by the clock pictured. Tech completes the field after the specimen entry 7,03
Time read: 10,27
